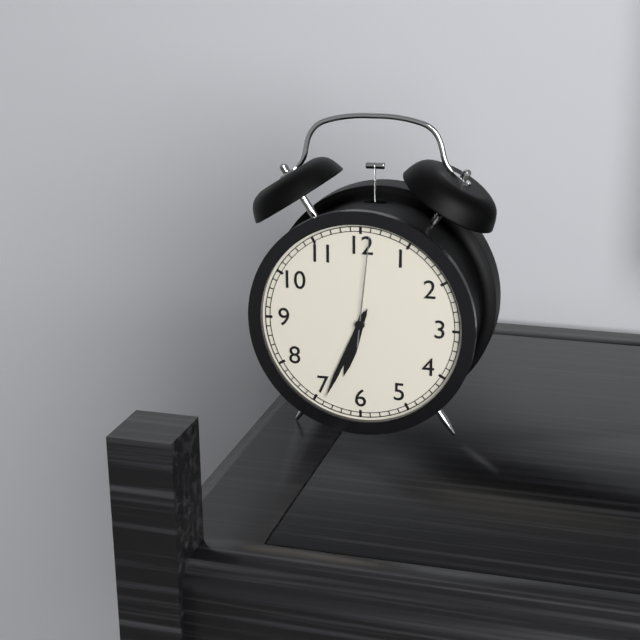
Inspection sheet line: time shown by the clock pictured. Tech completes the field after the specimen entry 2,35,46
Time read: 6,34,01
